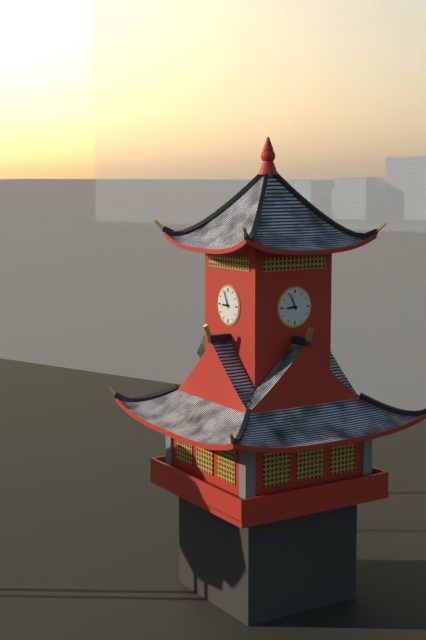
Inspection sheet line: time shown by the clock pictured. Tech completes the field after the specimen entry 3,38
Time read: 8,56
